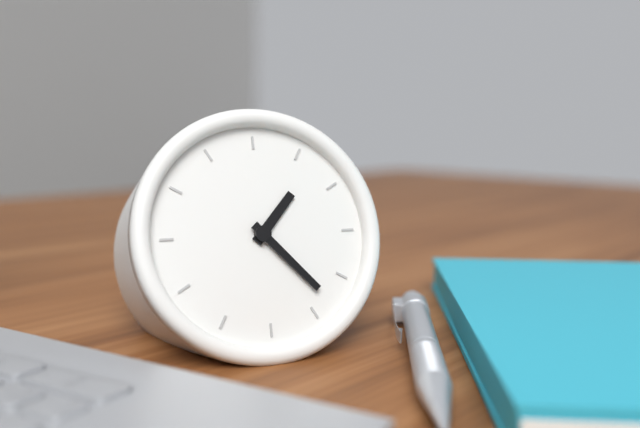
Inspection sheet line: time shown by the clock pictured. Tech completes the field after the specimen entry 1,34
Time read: 1,23
